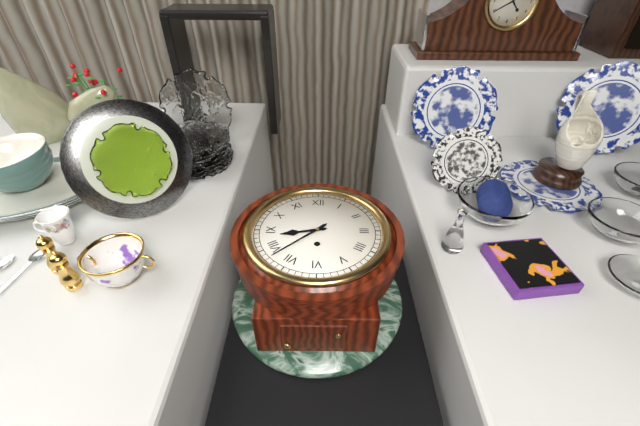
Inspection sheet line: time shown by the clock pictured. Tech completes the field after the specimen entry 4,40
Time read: 8,38
